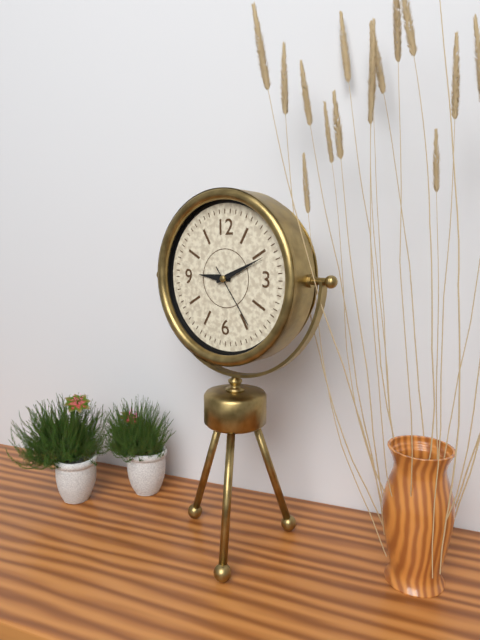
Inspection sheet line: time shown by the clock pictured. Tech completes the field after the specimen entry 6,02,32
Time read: 9,11,24
